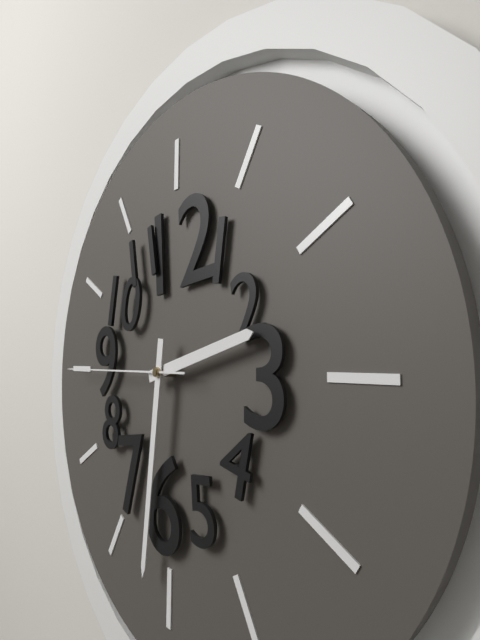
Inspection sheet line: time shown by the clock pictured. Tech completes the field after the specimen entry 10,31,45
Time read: 2,31,45
